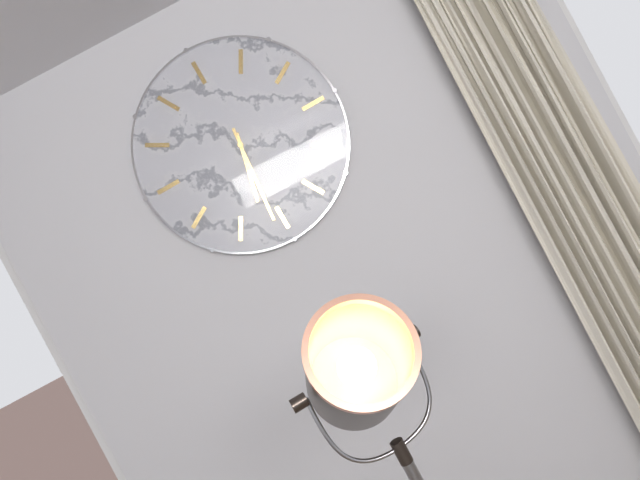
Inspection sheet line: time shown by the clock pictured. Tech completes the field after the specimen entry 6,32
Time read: 5,26
